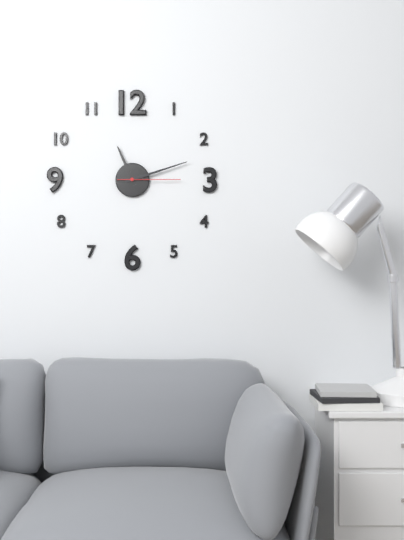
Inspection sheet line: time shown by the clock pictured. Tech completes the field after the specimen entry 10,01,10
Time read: 11,12,15
